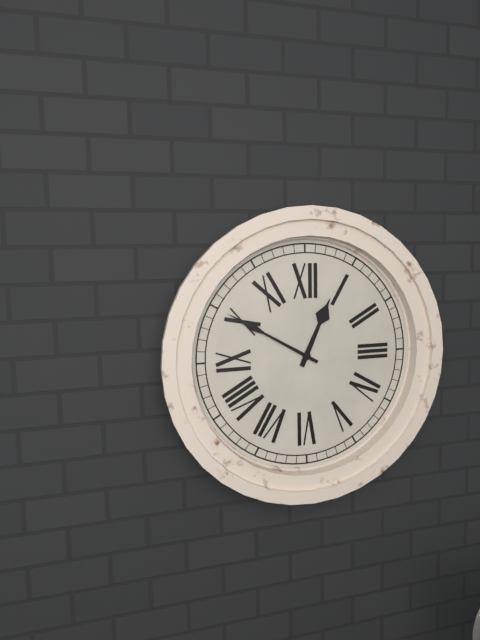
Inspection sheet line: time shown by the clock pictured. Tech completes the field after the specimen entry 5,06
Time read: 12,50
